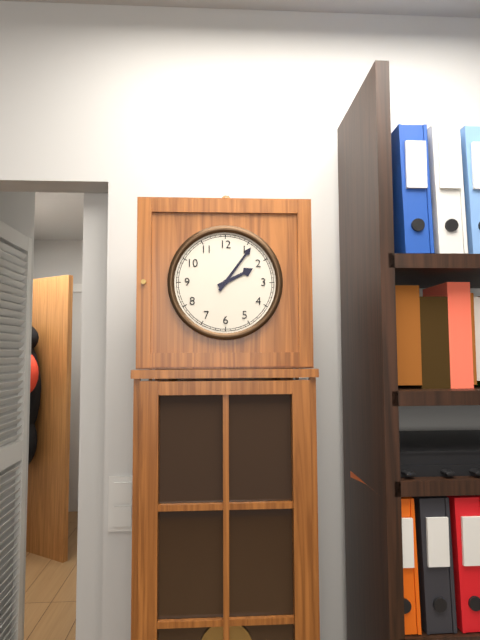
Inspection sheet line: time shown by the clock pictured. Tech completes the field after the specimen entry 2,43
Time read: 2,06
